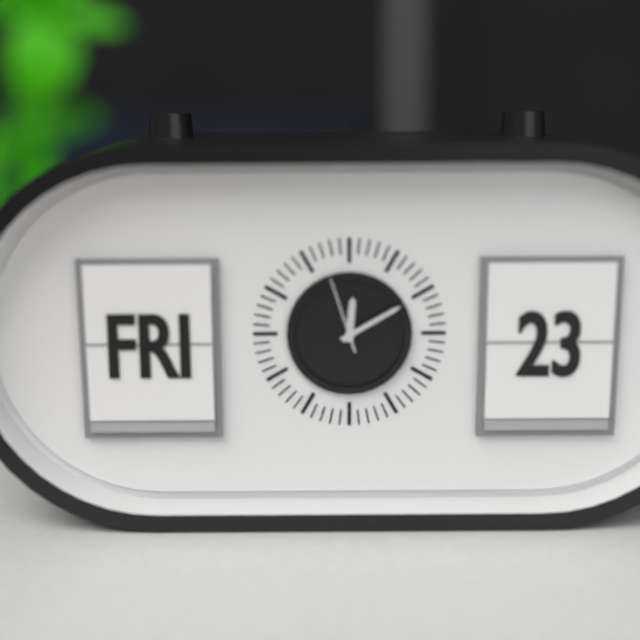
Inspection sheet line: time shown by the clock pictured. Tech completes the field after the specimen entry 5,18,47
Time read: 12,10,57
